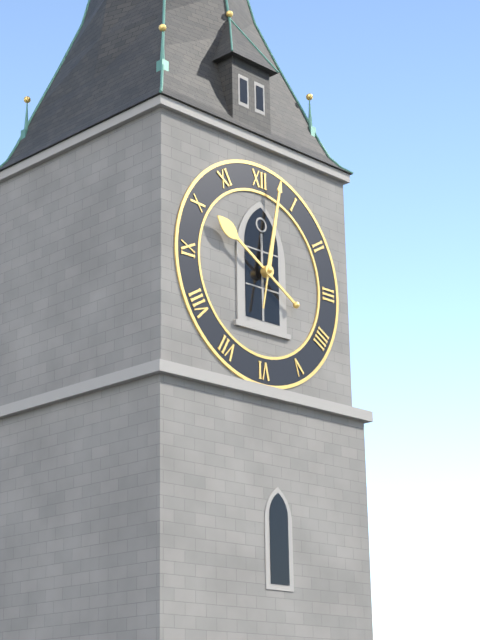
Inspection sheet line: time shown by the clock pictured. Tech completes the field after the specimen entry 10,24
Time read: 10,02
